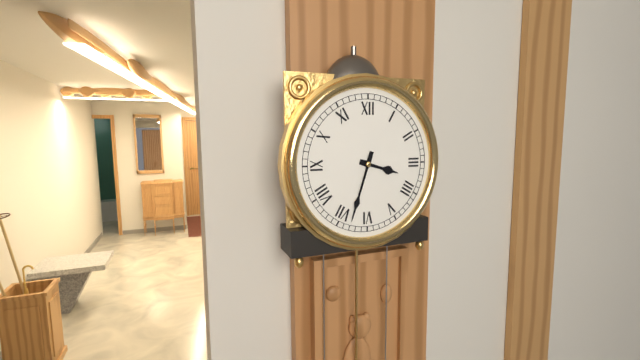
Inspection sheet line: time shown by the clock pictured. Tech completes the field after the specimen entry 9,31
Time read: 3,33
